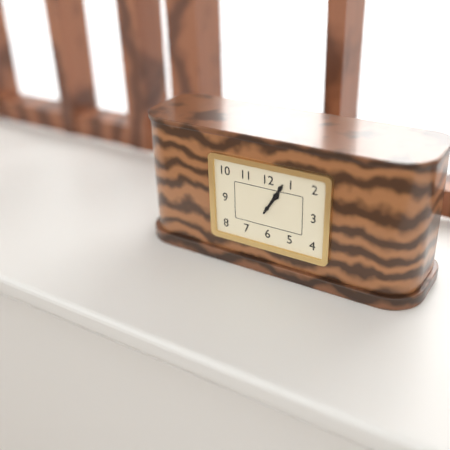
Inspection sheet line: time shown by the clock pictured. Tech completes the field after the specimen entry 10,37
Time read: 1,05
